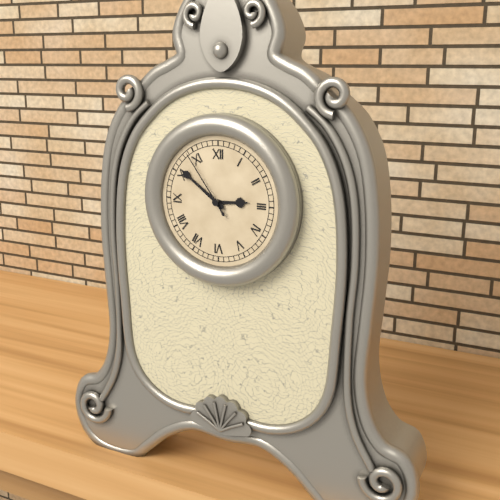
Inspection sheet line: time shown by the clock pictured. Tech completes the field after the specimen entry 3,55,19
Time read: 2,51,54
